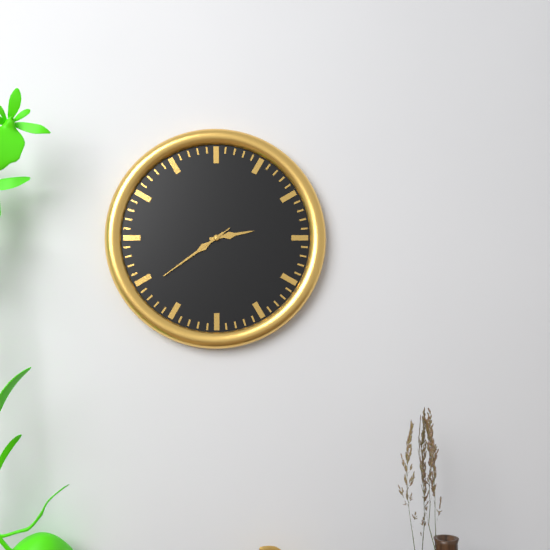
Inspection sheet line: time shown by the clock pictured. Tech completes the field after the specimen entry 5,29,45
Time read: 2,39,39
